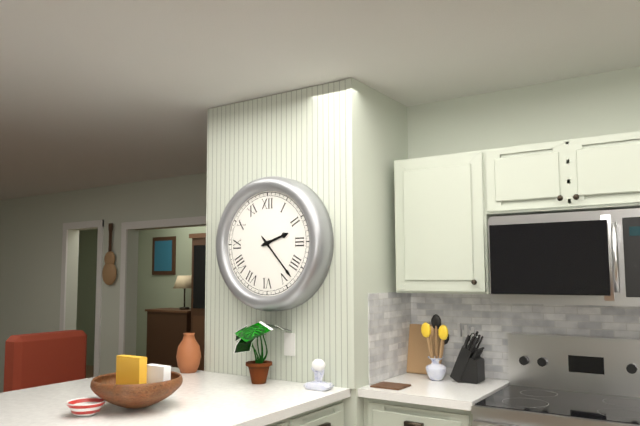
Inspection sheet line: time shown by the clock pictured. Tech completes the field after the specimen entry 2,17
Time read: 2,23
